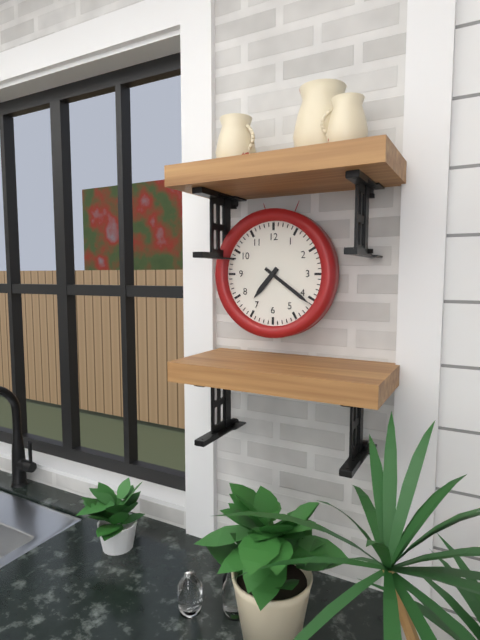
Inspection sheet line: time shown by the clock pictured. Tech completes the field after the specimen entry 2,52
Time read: 7,21
